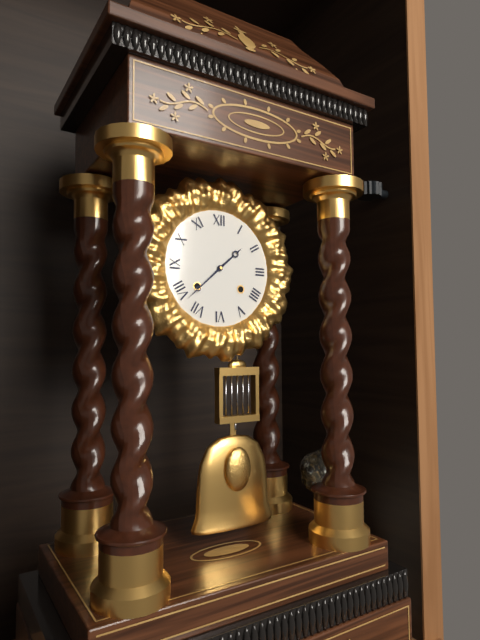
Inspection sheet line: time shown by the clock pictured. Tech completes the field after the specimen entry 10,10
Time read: 1,38
